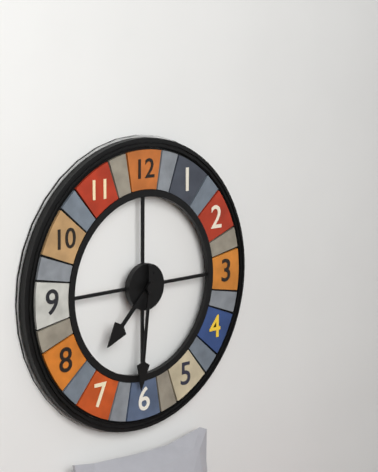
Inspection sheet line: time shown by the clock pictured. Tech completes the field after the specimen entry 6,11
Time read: 7,31
